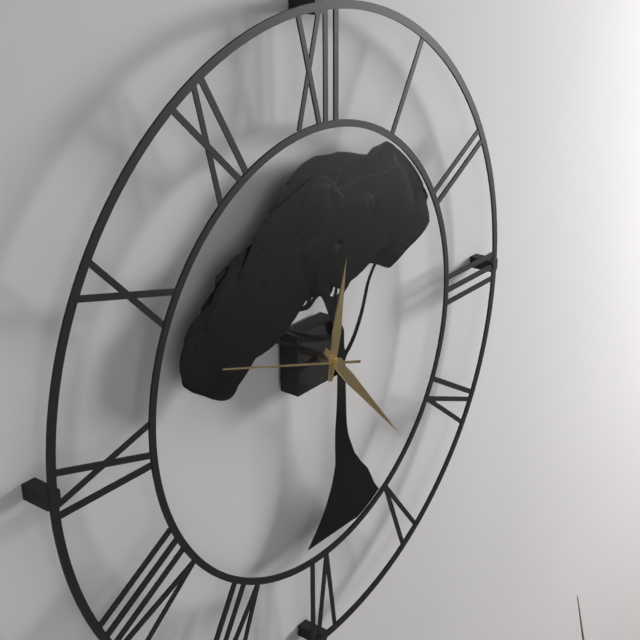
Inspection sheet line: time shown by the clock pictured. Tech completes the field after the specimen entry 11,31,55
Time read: 12,23,48
